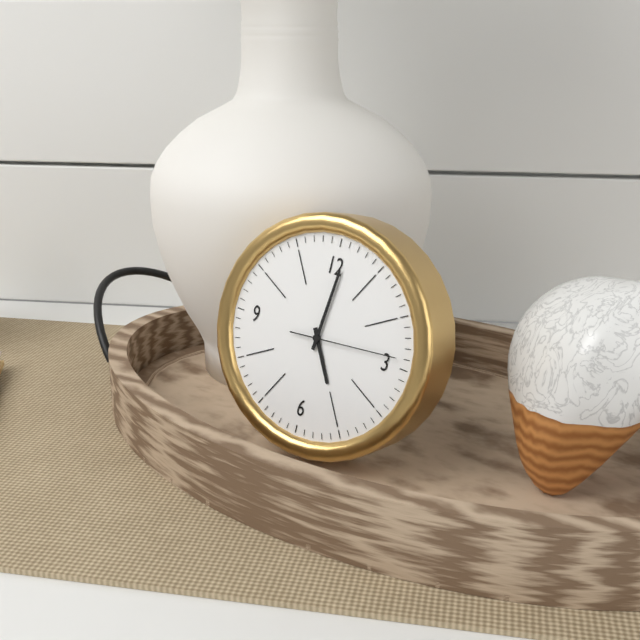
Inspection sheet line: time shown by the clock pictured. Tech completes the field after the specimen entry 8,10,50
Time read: 5,01,14
